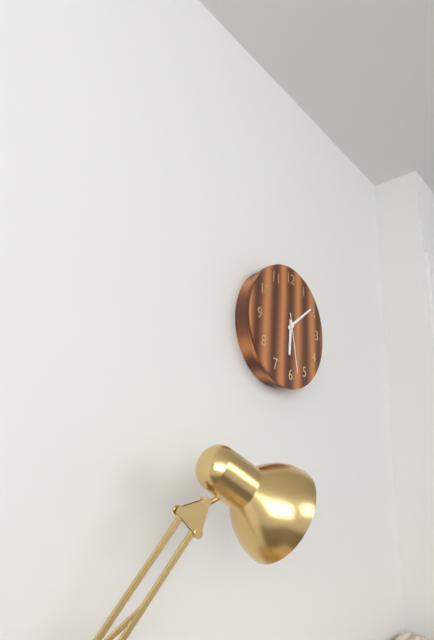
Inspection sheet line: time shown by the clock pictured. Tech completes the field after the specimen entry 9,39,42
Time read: 6,09,28
